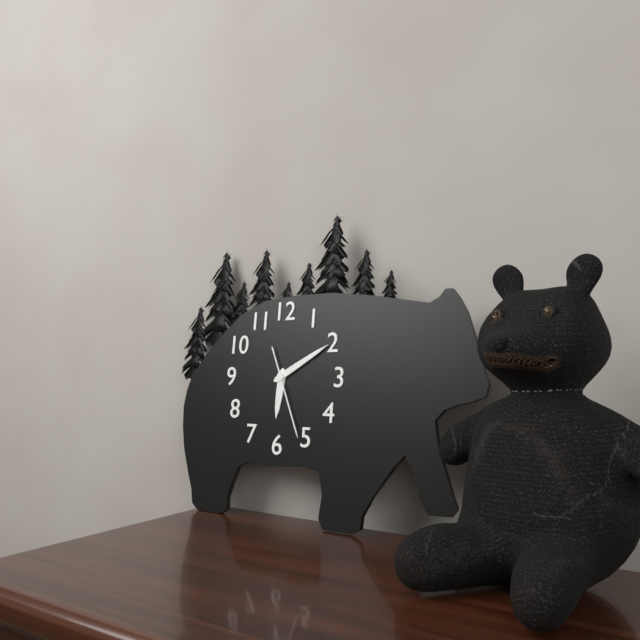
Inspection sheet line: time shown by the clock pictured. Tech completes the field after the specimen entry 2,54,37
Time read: 6,10,26
